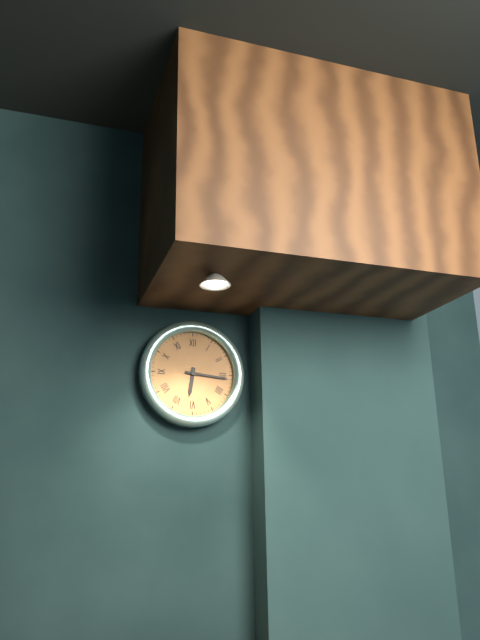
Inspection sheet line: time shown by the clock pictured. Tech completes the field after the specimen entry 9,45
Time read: 6,16
